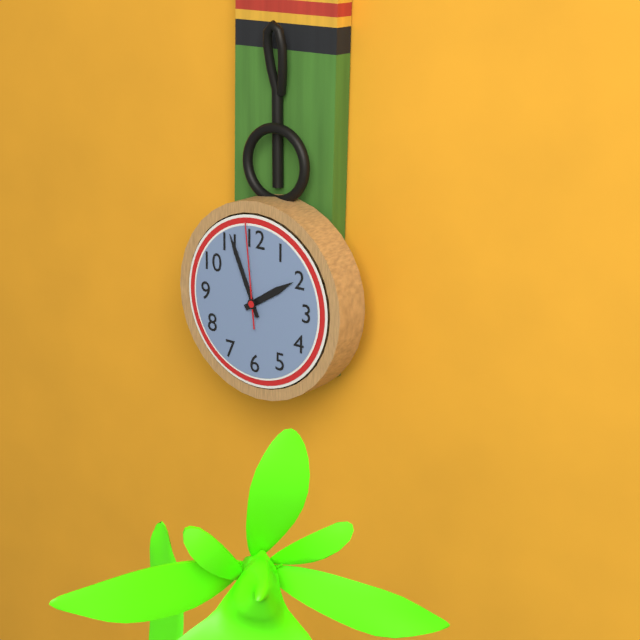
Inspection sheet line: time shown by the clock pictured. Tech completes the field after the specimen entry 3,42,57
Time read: 1,56,59
